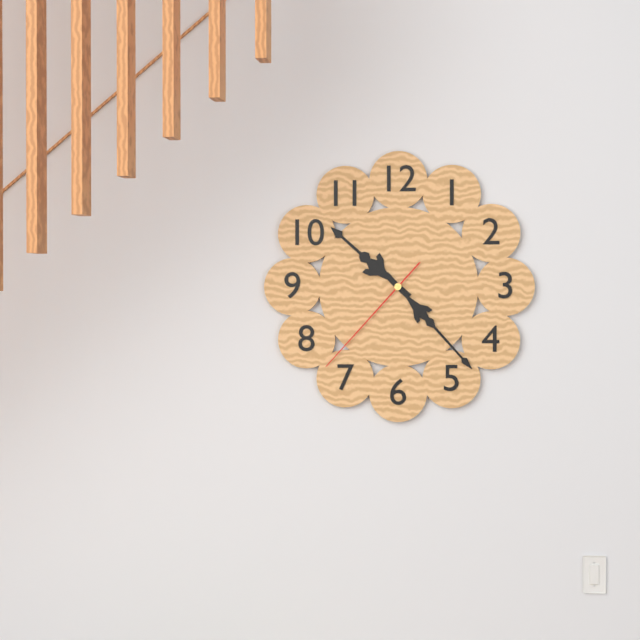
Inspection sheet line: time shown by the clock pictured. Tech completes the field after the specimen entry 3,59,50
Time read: 10,23,37
